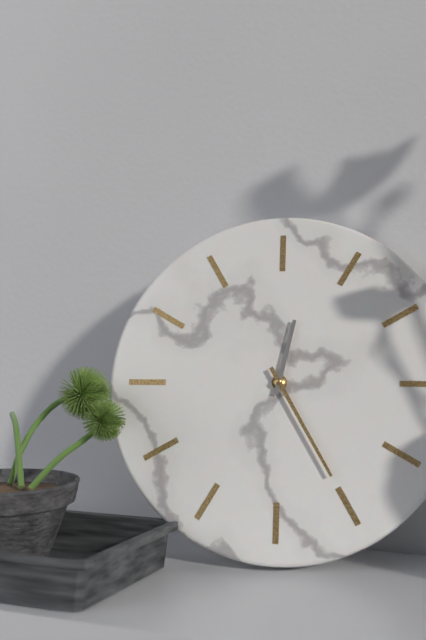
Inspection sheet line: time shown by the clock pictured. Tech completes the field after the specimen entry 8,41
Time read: 12,25
